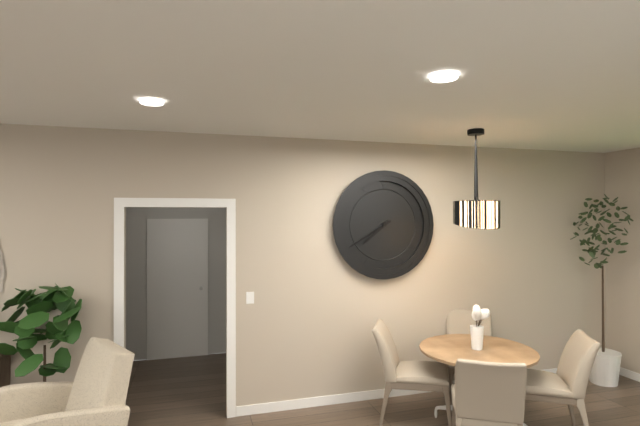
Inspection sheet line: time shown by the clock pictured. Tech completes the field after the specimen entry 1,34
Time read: 7,40
